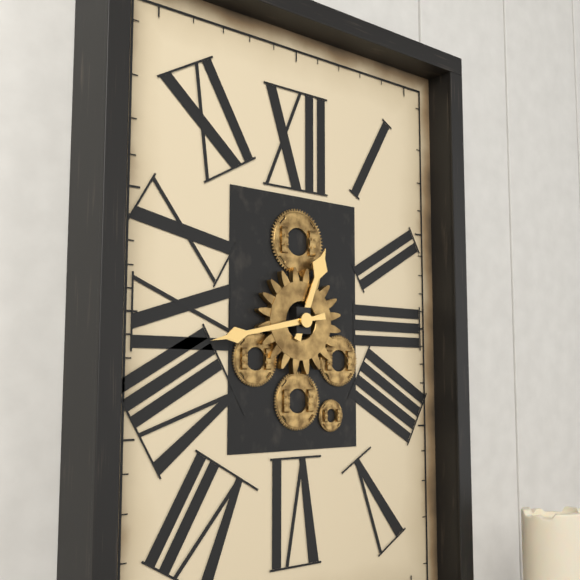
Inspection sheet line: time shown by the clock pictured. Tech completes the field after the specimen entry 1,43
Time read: 12,43
